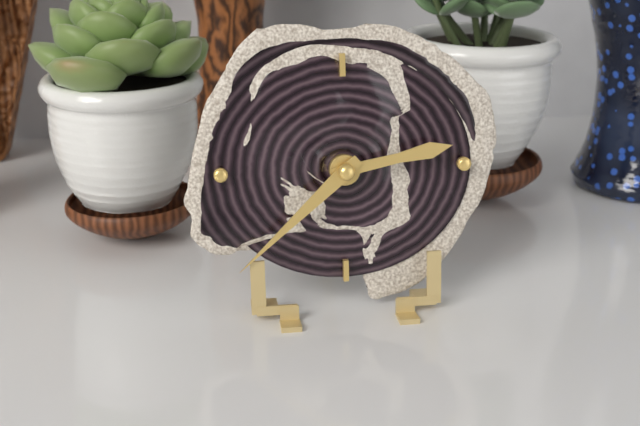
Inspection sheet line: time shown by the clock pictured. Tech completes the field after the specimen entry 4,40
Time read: 2,38
